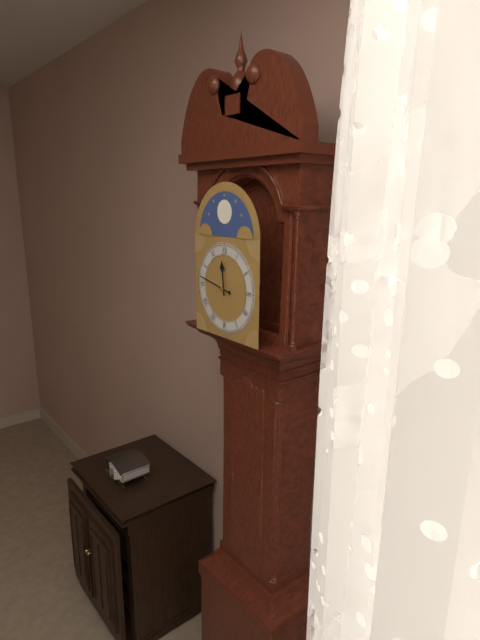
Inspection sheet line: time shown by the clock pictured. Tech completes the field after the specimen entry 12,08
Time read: 11,47
